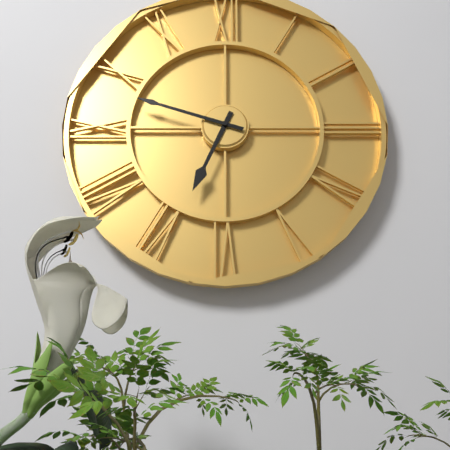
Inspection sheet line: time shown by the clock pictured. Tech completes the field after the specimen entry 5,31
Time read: 6,48
